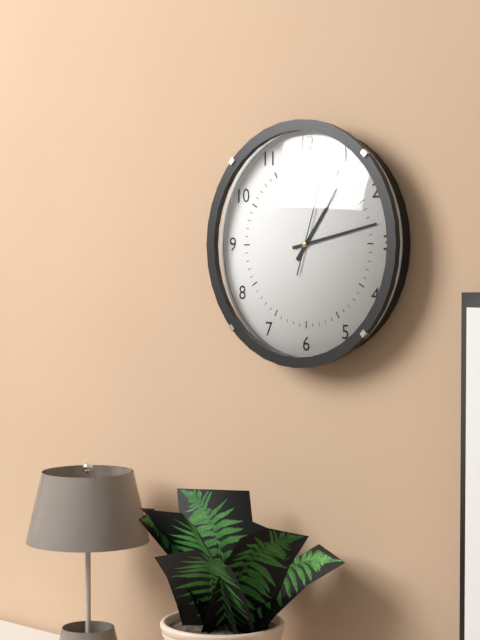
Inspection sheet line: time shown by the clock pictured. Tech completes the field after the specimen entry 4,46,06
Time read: 1,13,03
